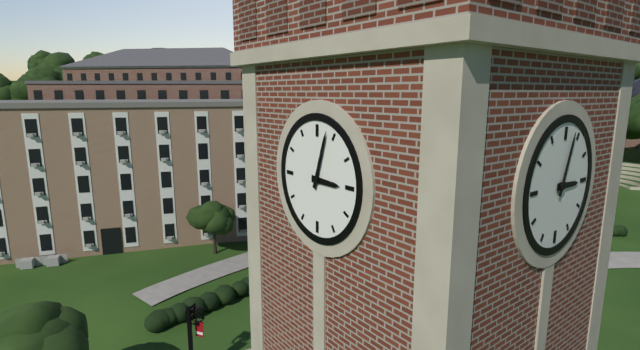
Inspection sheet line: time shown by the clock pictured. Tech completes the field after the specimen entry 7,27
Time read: 3,03
